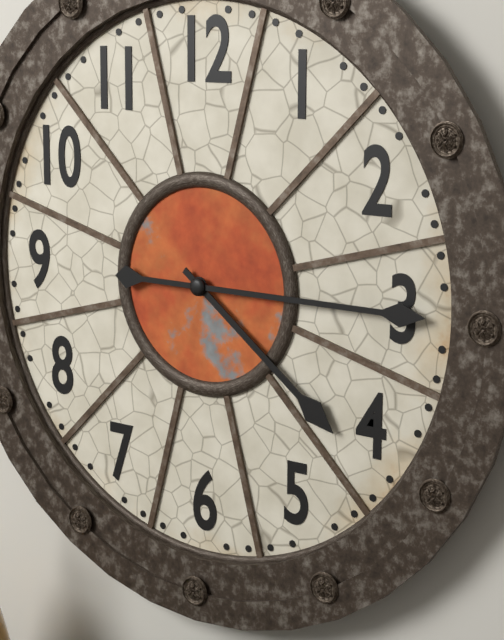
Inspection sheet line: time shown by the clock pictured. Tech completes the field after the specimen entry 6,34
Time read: 4,15
